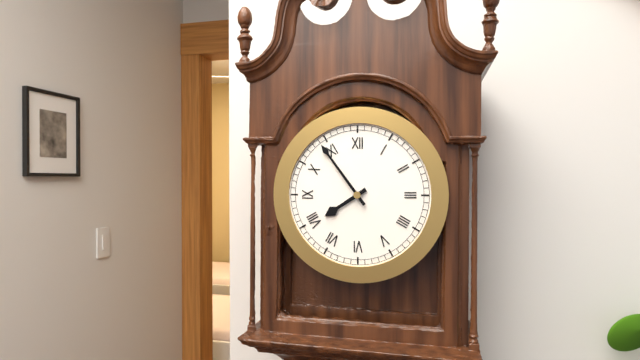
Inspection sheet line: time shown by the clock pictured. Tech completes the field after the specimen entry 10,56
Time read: 7,54
